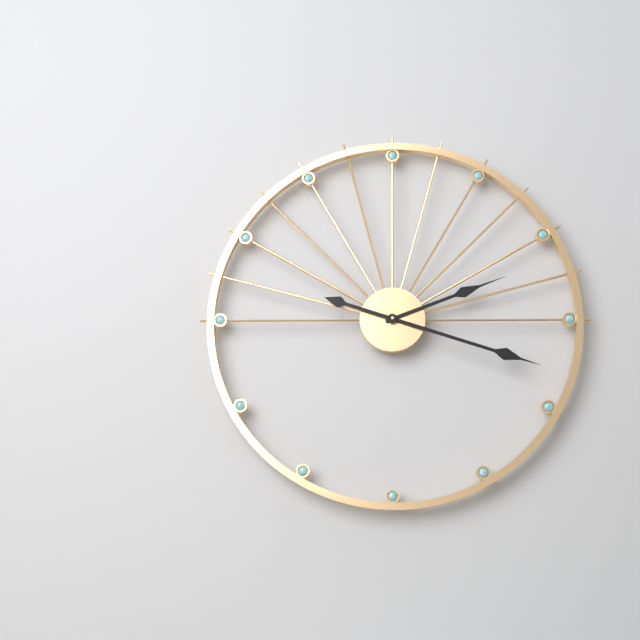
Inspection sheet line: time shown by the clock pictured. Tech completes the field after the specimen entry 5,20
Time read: 2,18
